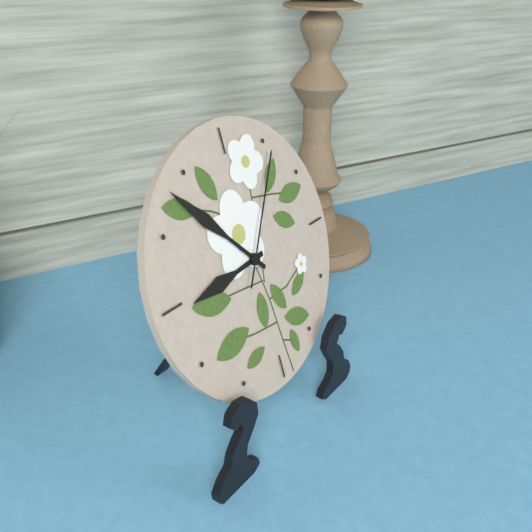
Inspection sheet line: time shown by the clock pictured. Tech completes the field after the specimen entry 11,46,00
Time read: 8,53,06
